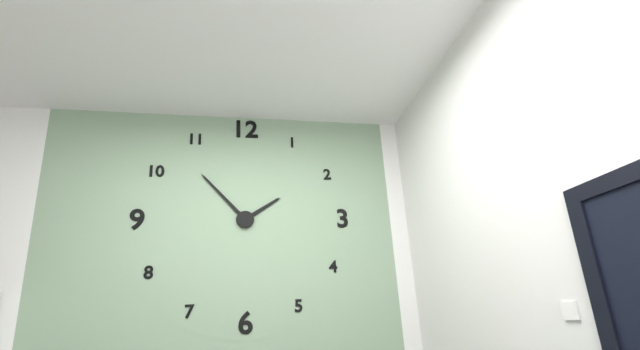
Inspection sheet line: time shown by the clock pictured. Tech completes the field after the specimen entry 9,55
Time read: 1,53
